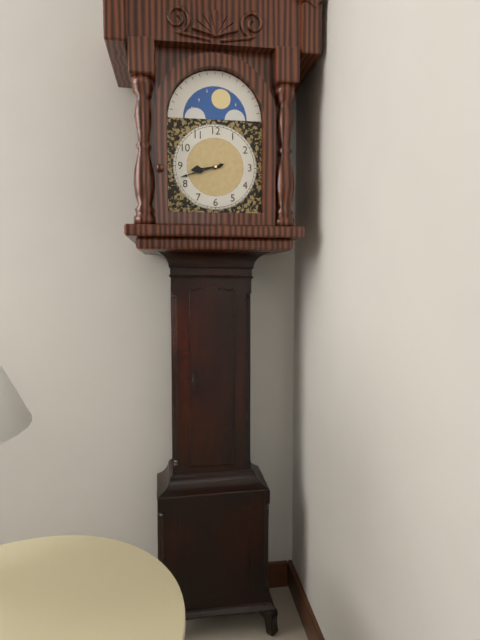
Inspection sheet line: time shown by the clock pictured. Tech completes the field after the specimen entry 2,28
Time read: 8,42
